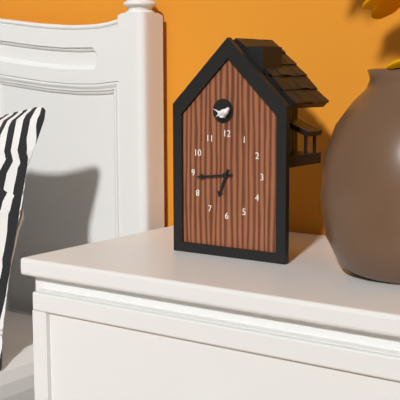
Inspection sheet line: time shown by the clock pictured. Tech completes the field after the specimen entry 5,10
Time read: 6,44
